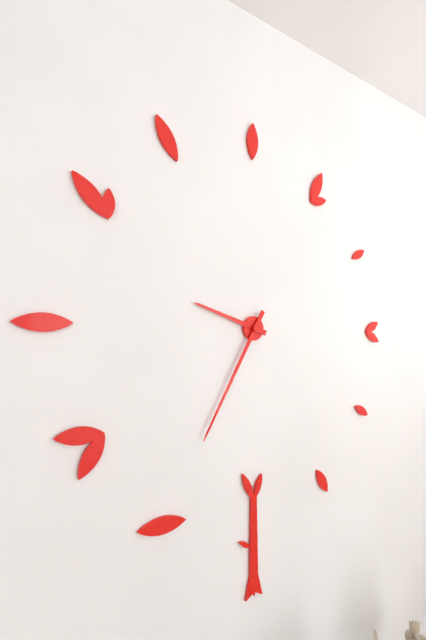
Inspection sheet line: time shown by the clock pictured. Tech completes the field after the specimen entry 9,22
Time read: 9,35
